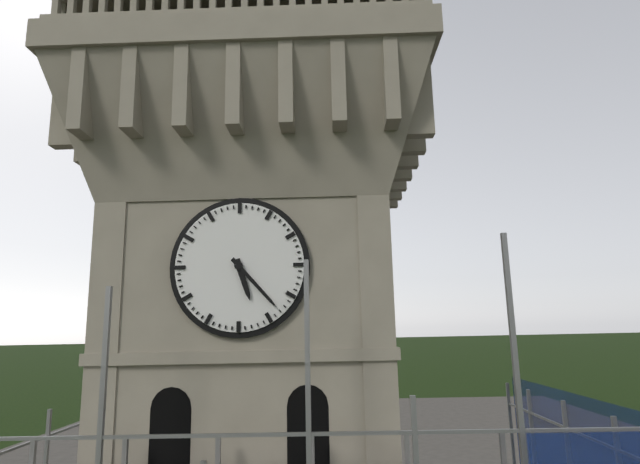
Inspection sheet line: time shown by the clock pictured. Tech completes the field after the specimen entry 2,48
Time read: 5,23
